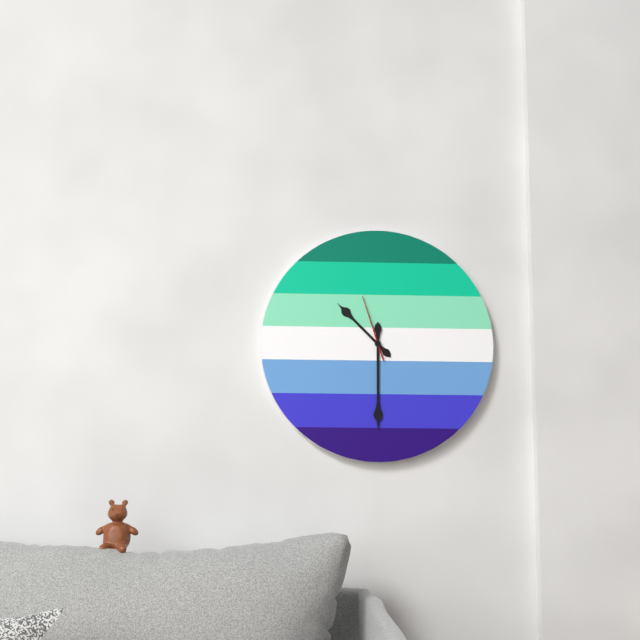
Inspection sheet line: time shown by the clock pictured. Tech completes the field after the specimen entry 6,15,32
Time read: 10,30,57
